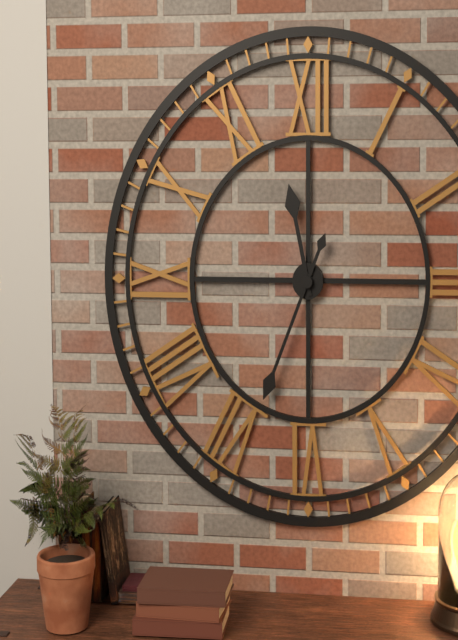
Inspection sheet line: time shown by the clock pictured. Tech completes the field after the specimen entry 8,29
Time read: 11,34
